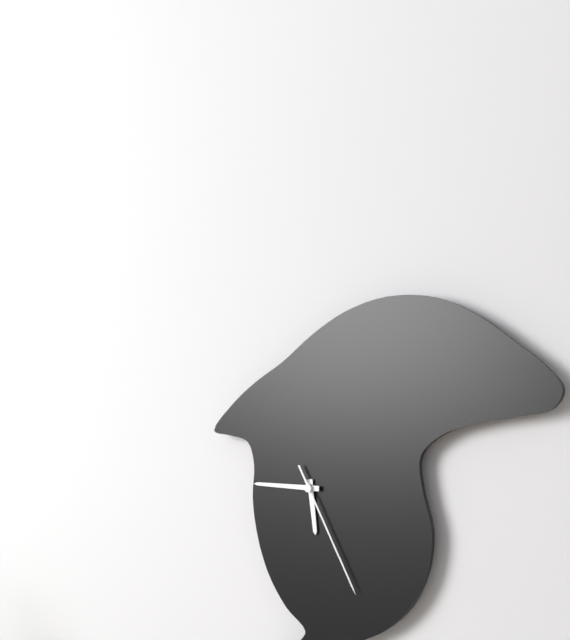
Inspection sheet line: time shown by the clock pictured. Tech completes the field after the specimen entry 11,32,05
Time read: 5,45,25
